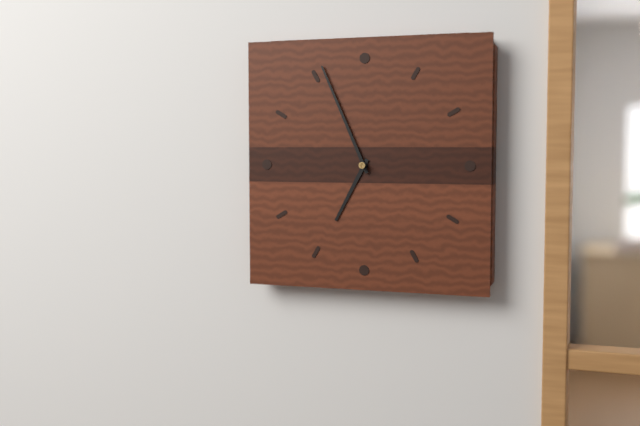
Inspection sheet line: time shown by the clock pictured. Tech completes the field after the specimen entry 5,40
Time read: 6,56
